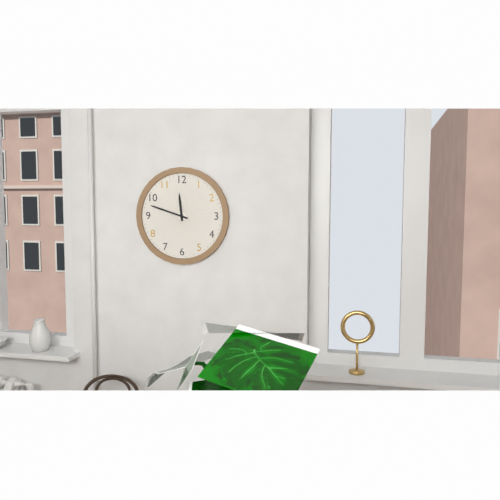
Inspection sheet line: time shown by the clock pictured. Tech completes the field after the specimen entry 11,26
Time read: 11,48
